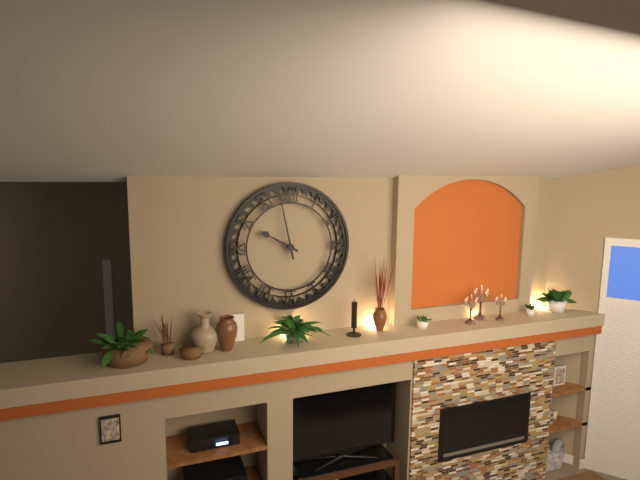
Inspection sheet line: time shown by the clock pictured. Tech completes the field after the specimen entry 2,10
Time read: 9,58
